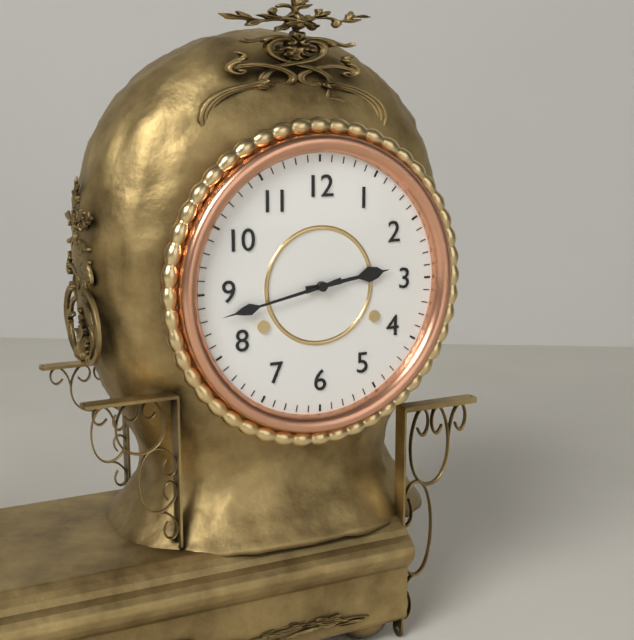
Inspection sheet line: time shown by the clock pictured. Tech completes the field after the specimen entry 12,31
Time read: 2,43
